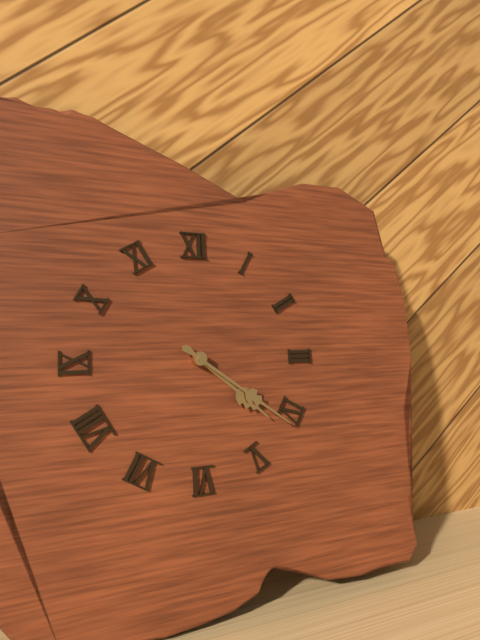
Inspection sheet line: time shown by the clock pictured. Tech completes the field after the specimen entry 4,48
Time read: 4,21
